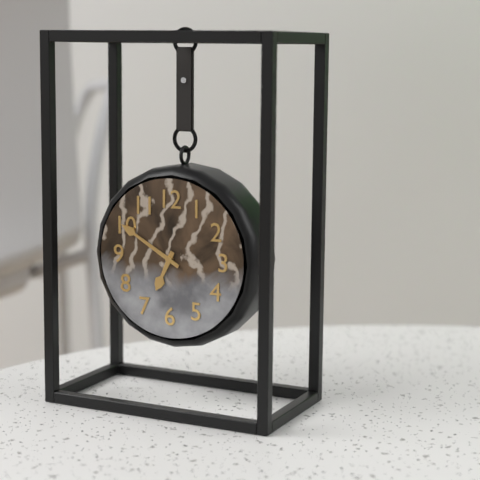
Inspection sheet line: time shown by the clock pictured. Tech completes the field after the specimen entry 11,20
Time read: 6,50
